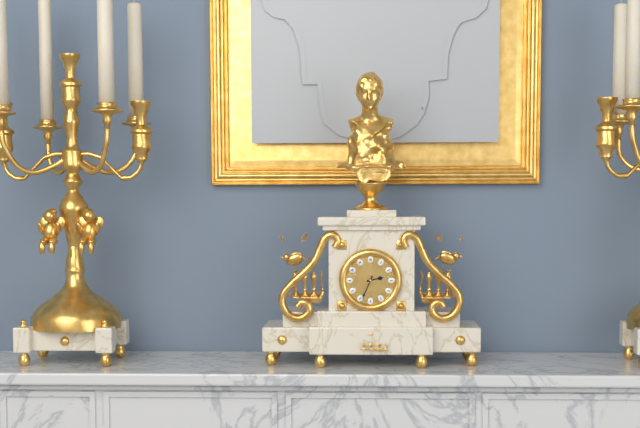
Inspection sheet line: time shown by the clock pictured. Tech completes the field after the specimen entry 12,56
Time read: 2,34
